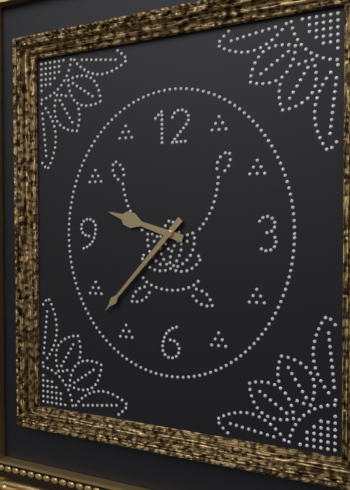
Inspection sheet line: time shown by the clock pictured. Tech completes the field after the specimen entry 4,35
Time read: 9,37
